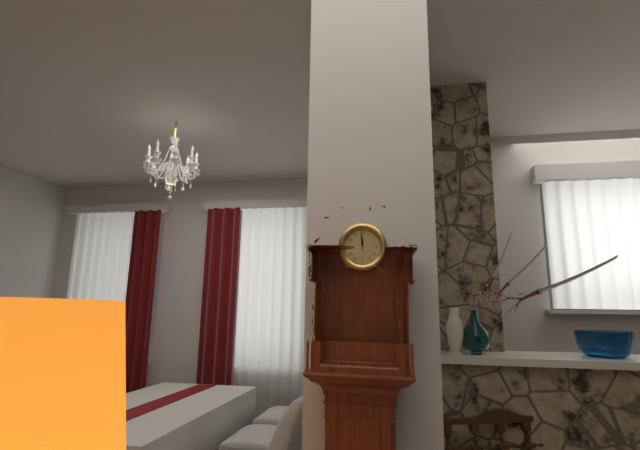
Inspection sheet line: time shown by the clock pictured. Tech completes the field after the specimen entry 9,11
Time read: 11,59
